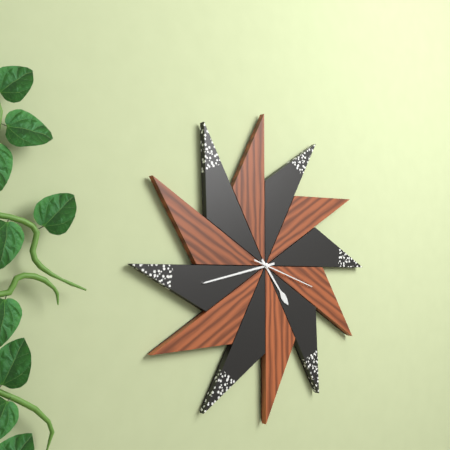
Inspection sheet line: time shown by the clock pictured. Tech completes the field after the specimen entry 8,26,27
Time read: 4,43,18
